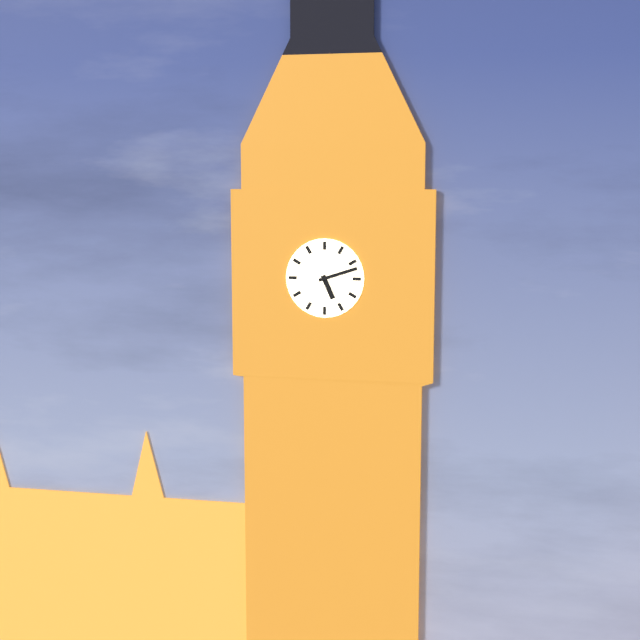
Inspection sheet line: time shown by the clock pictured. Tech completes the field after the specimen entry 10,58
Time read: 5,12
